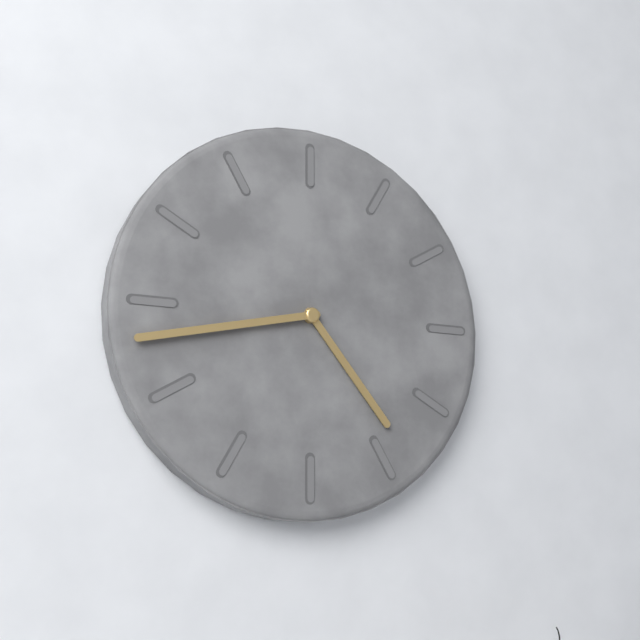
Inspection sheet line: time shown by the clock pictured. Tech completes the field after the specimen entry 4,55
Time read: 4,43
